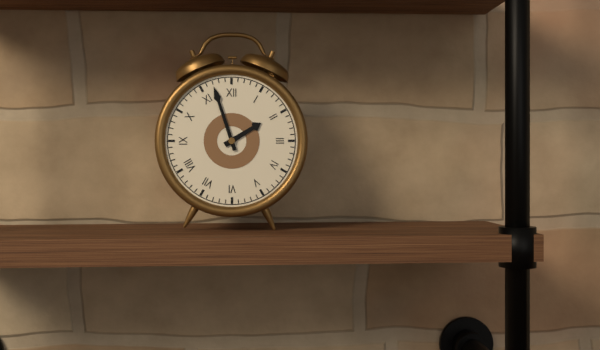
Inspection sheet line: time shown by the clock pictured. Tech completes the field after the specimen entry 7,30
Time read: 1,57
